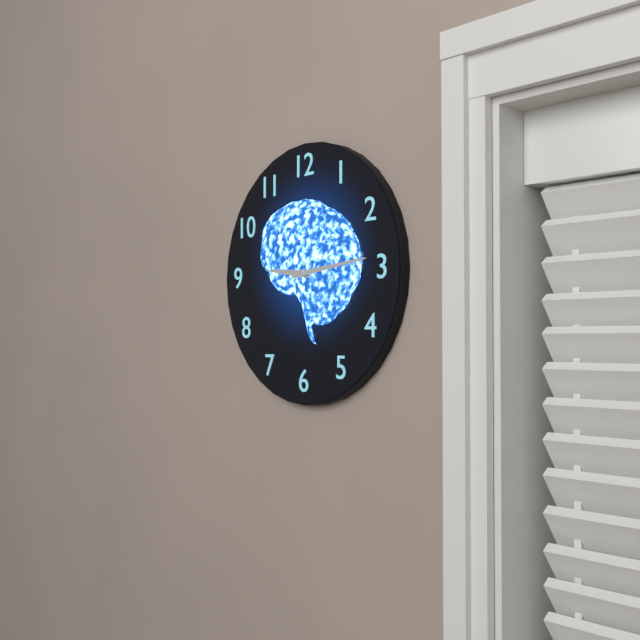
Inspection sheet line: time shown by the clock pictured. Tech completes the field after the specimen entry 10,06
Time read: 9,14
